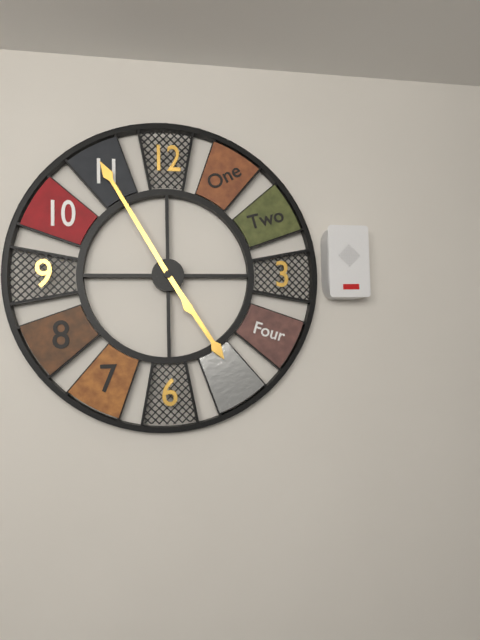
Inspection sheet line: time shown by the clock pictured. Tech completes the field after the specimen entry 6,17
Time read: 4,55
